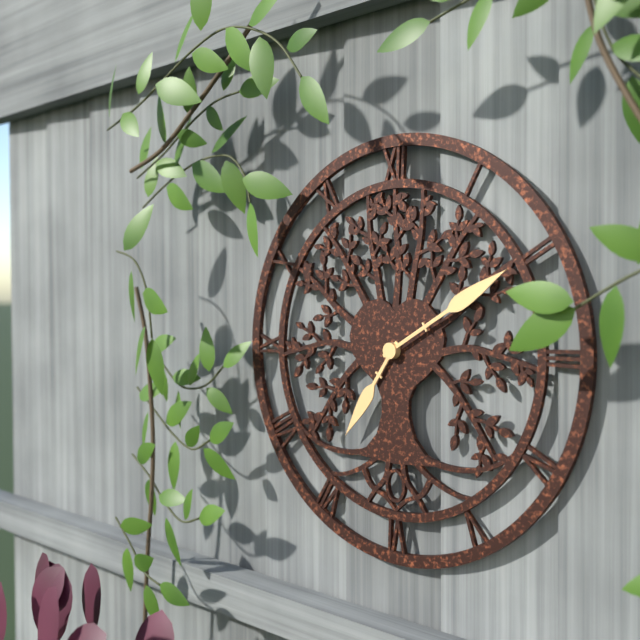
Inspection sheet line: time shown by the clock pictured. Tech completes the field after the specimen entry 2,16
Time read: 7,10
